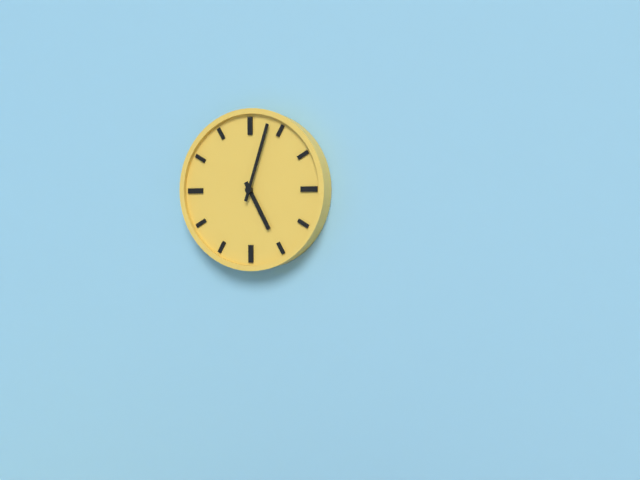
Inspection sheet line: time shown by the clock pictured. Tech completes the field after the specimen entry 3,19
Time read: 5,03
